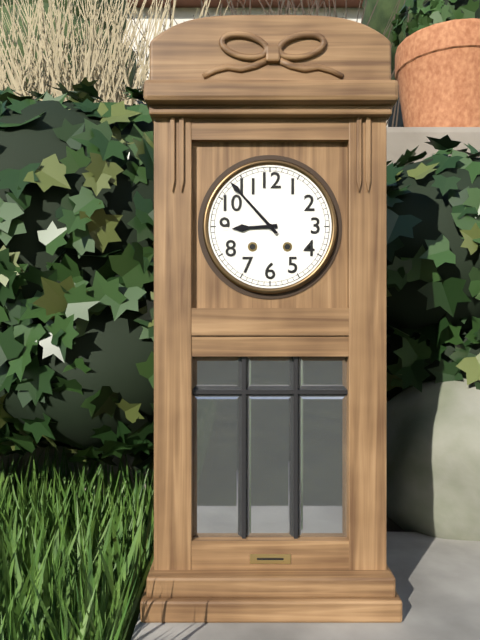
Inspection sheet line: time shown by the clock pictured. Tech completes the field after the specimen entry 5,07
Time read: 8,53
